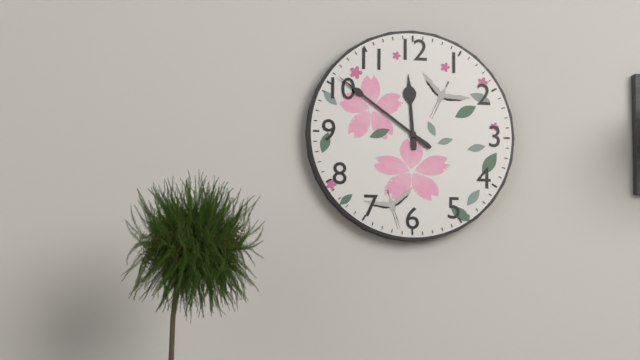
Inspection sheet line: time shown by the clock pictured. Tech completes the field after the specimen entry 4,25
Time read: 11,51
